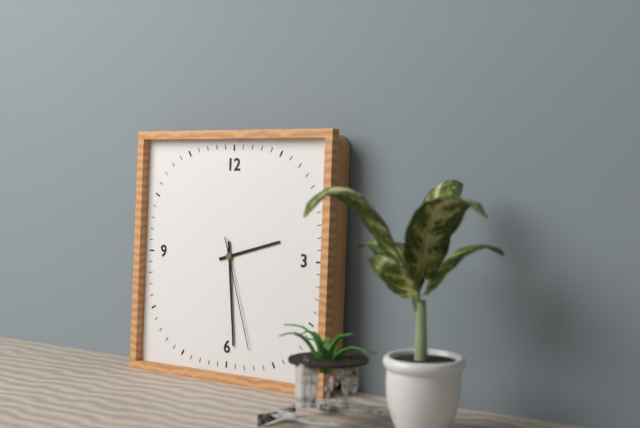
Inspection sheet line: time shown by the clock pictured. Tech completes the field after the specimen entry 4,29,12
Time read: 2,29,27
